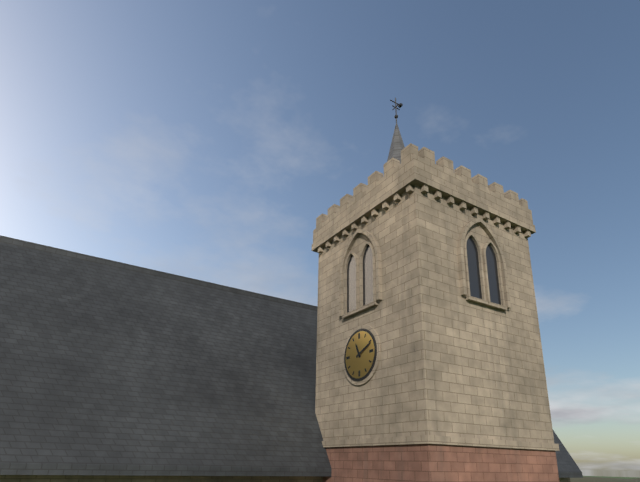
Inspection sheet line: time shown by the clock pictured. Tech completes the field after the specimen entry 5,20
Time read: 11,11
